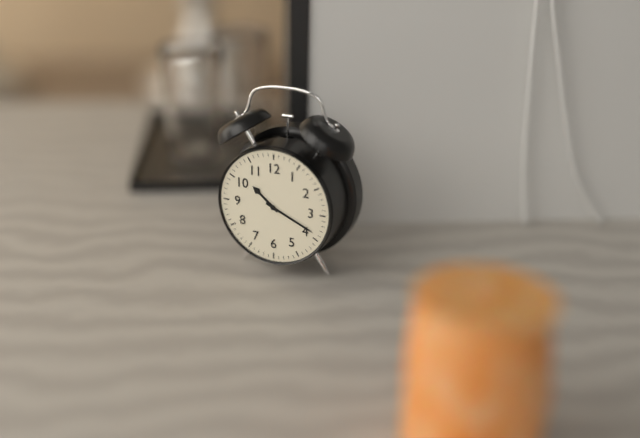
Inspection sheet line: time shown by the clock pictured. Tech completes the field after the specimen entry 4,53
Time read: 10,19
